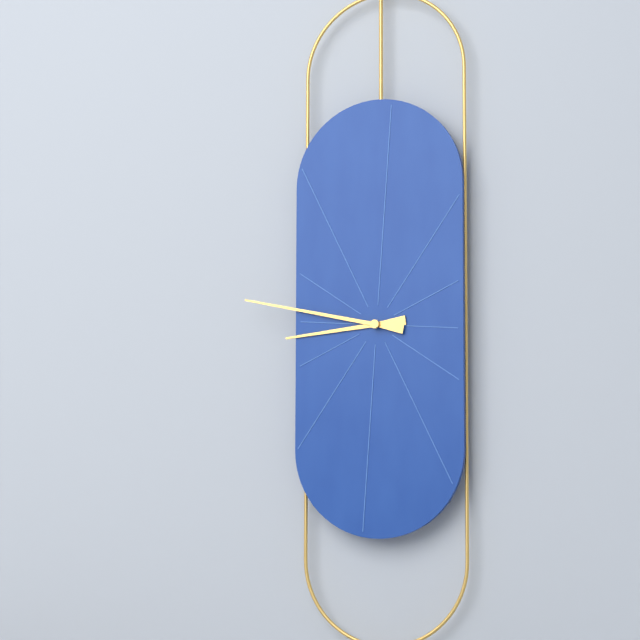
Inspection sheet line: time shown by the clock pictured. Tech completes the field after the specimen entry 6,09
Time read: 8,47
